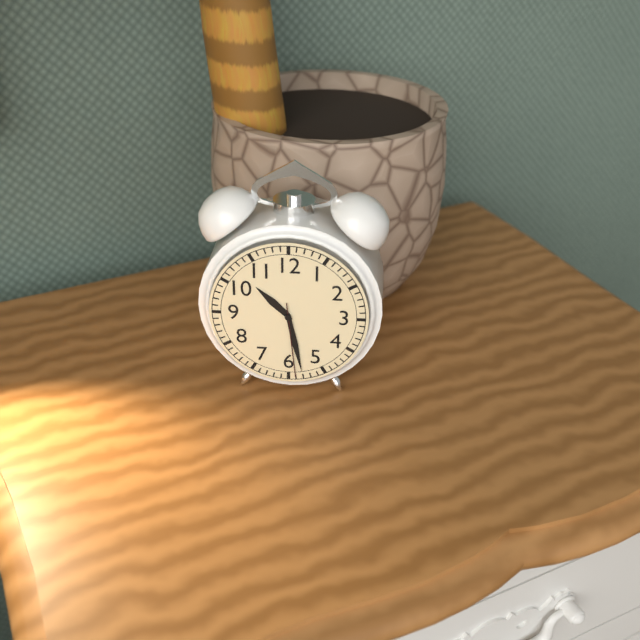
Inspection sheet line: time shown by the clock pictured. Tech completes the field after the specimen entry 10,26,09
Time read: 10,28,29
